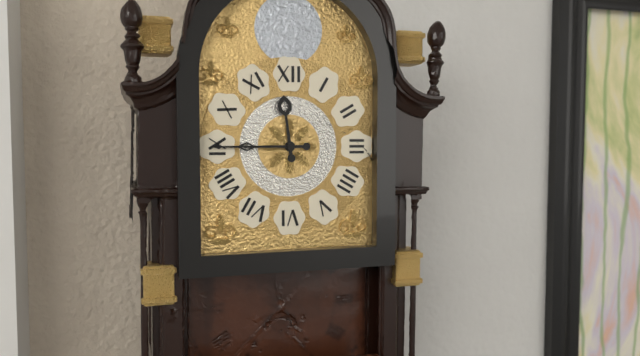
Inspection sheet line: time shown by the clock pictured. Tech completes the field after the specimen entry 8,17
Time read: 11,45
